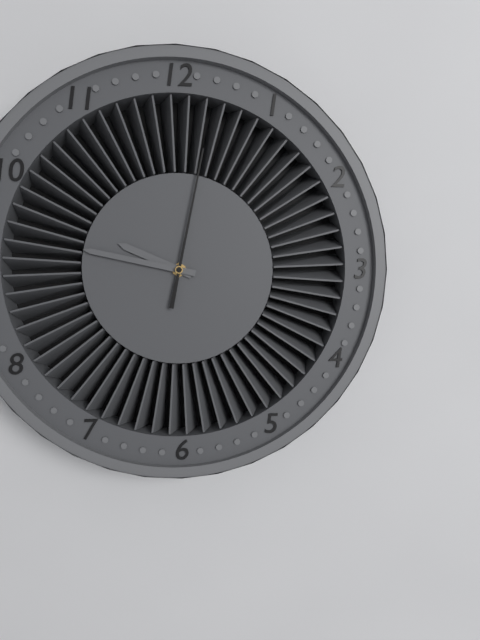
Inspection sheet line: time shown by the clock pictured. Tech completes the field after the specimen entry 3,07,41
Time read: 9,47,02
